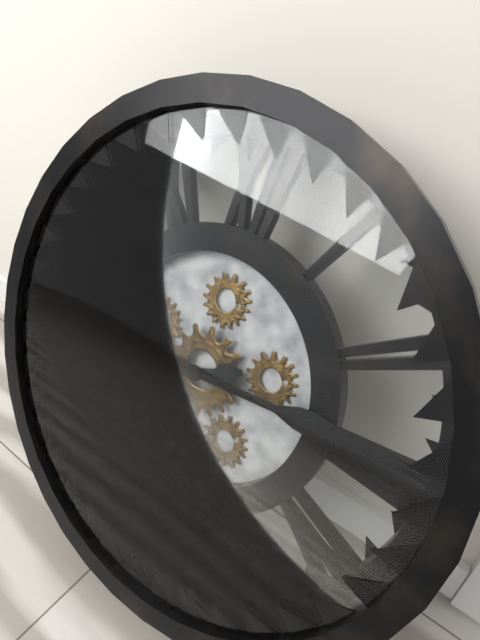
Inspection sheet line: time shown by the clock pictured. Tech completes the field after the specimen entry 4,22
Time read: 8,14
